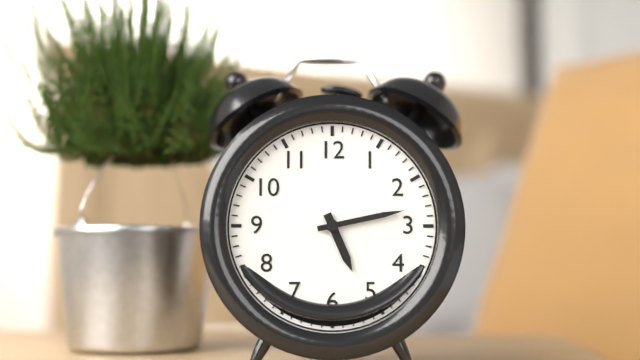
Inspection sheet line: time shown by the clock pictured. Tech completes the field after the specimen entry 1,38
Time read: 5,13
